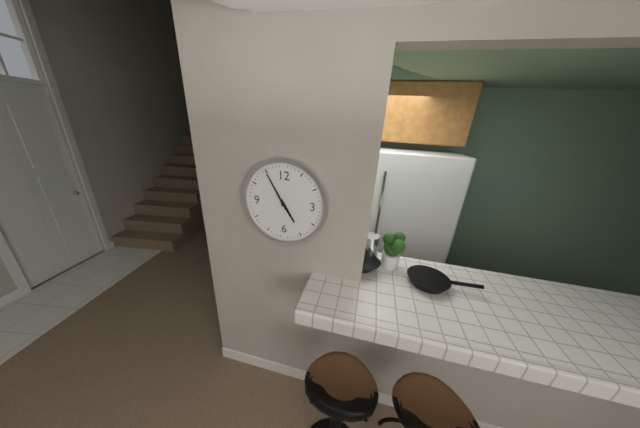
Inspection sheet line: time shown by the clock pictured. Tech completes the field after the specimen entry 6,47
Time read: 4,55
